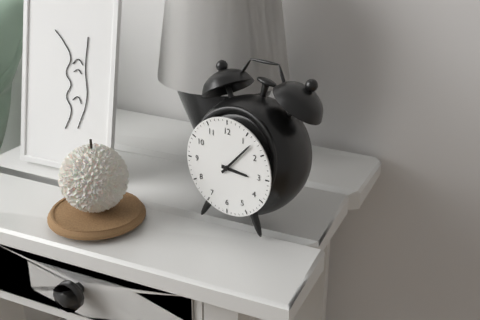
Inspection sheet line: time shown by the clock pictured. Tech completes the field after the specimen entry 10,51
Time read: 3,07
